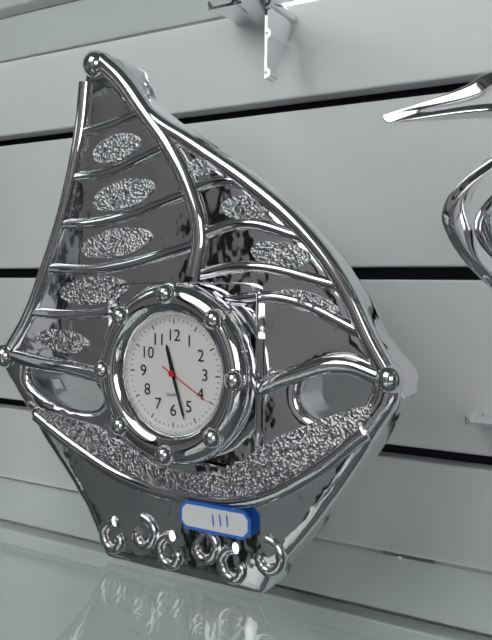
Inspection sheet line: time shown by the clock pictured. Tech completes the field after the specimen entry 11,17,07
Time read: 11,27,20
